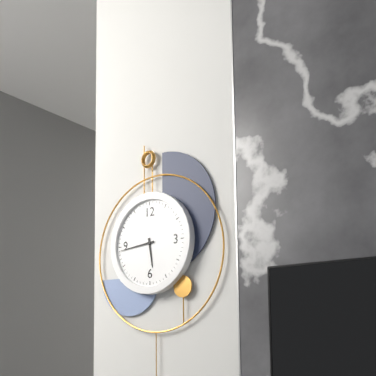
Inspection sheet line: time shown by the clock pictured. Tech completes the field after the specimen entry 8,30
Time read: 5,44
